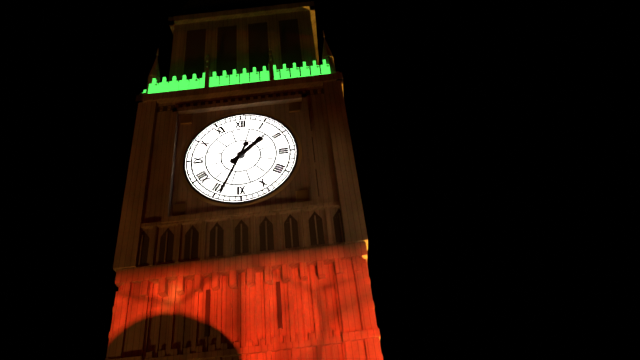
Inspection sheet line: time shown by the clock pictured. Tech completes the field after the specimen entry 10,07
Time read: 1,34
